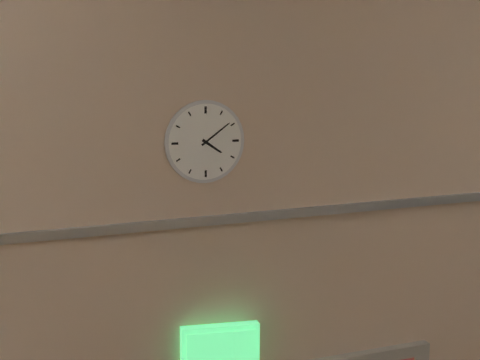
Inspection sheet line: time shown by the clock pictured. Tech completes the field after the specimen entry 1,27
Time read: 4,09
